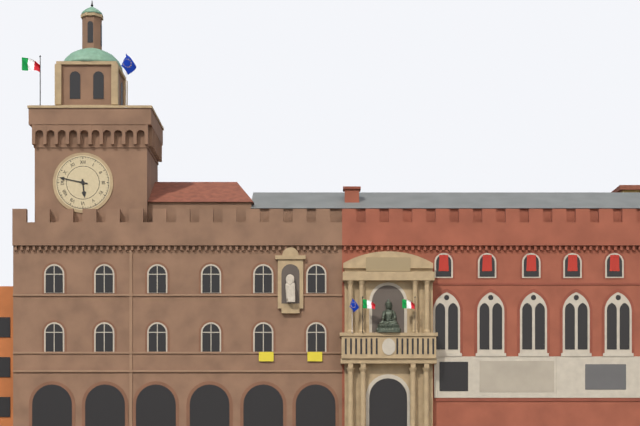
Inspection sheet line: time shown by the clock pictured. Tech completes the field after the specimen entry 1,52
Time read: 5,47
